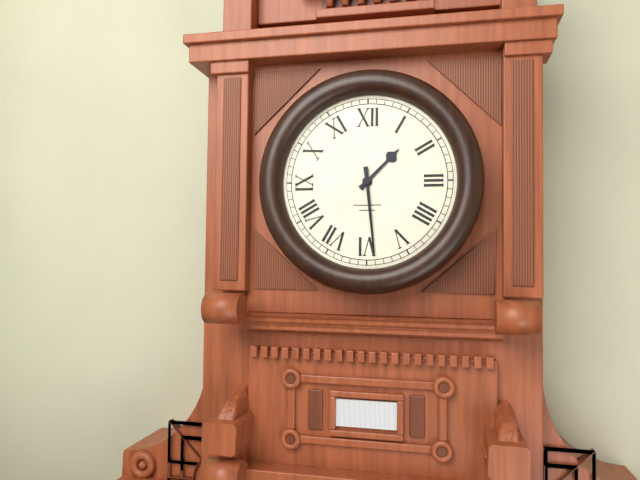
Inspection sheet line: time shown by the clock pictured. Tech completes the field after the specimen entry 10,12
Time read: 1,29
